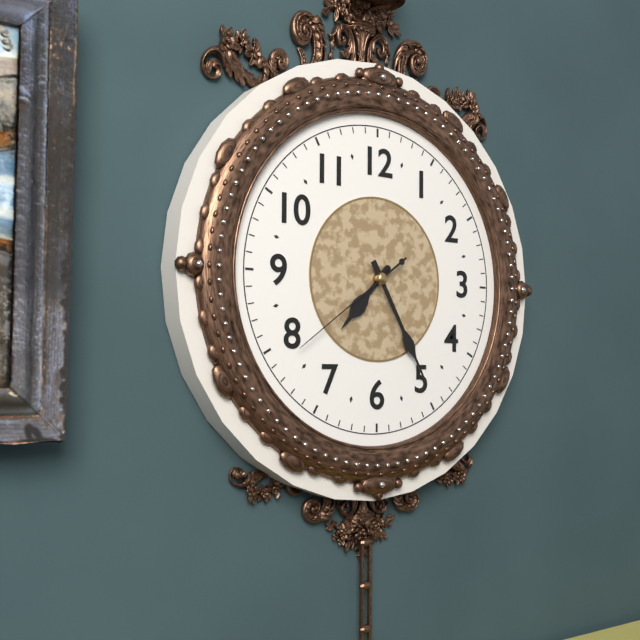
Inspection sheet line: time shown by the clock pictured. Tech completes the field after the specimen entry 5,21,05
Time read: 7,25,39
